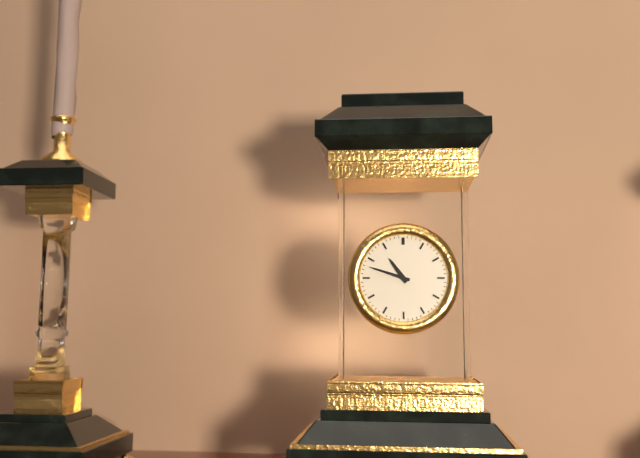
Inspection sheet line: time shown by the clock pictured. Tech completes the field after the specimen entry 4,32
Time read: 10,48
